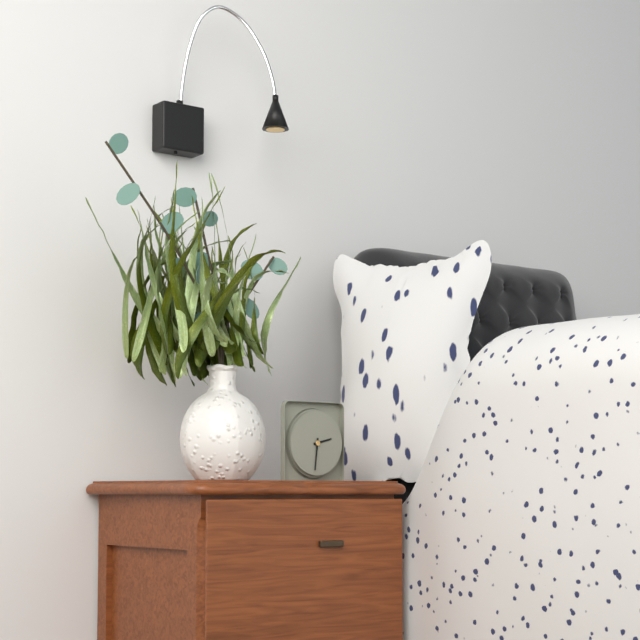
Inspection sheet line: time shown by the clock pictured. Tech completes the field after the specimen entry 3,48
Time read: 2,31
